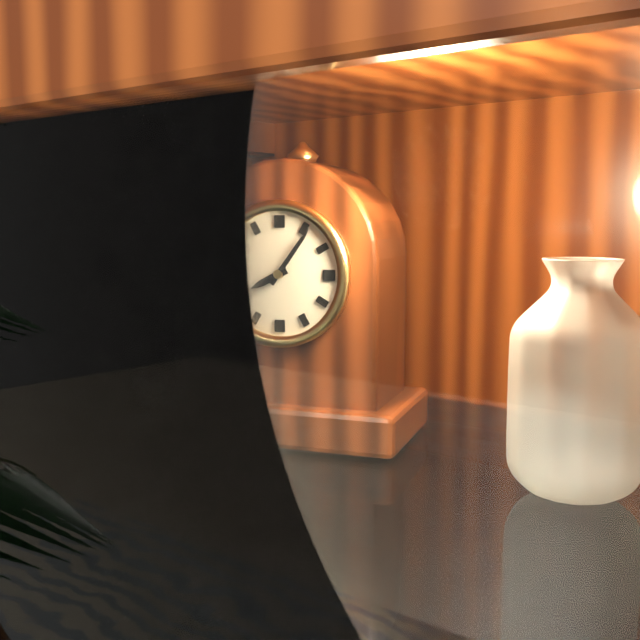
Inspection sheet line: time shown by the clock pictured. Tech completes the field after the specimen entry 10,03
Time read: 8,06
